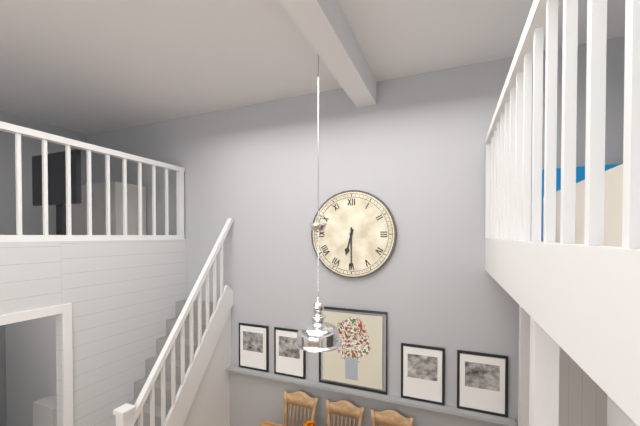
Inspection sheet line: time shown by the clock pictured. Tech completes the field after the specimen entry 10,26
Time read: 6,30
